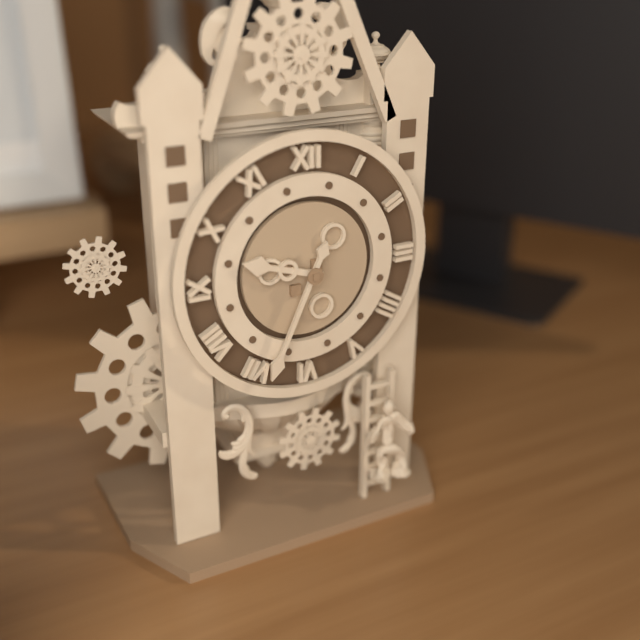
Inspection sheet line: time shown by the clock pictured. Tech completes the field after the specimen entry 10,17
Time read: 9,34
